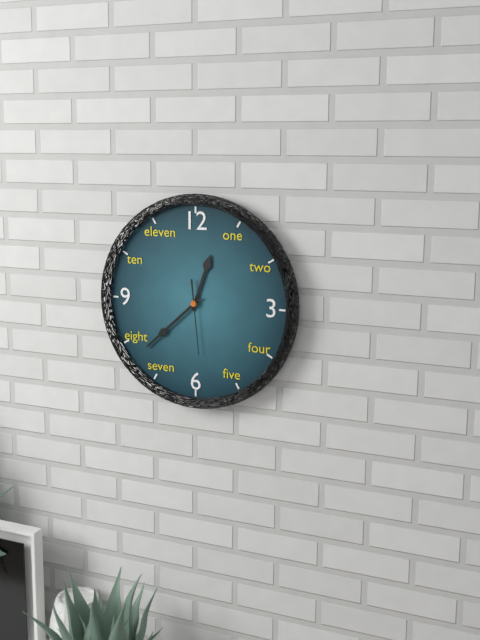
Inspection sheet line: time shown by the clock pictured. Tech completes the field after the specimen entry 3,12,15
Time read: 12,38,29
